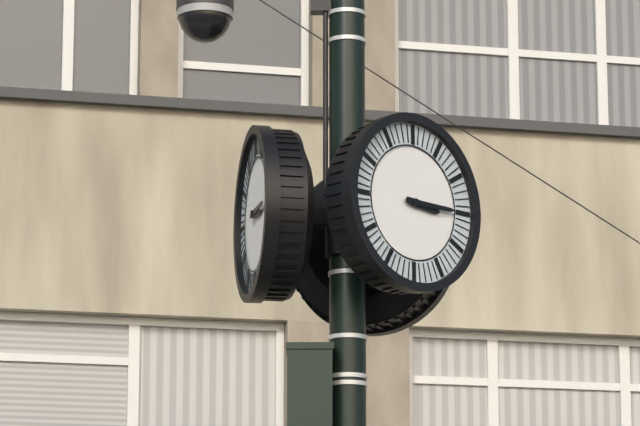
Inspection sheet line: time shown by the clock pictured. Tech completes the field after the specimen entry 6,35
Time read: 3,15
